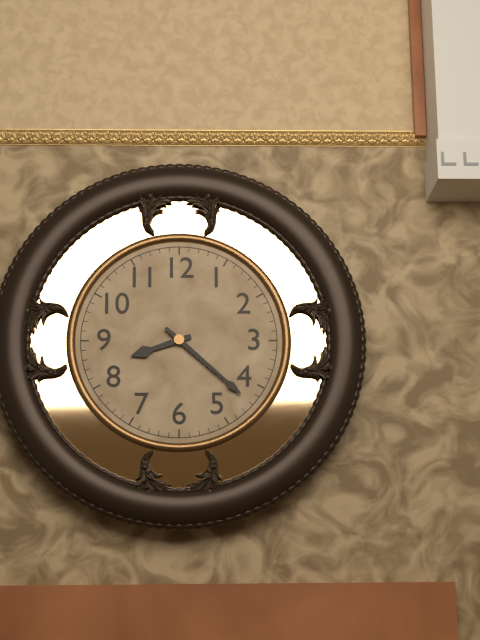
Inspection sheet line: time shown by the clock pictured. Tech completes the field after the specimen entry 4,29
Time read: 8,22
